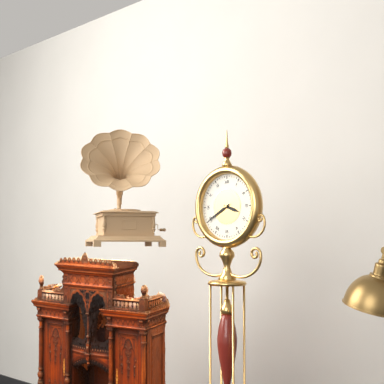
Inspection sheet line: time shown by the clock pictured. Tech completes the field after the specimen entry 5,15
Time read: 3,40
